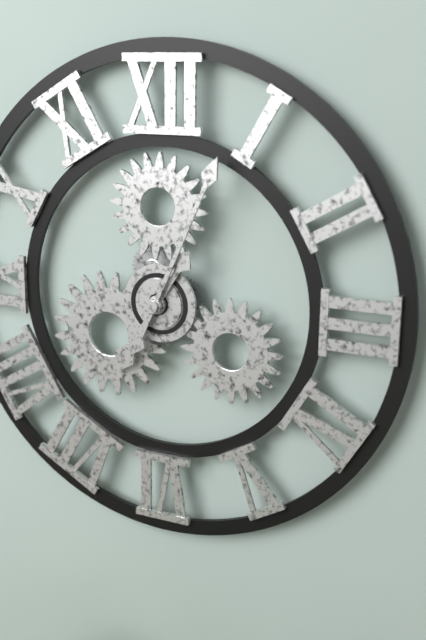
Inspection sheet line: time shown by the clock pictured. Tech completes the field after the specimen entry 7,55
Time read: 7,04
